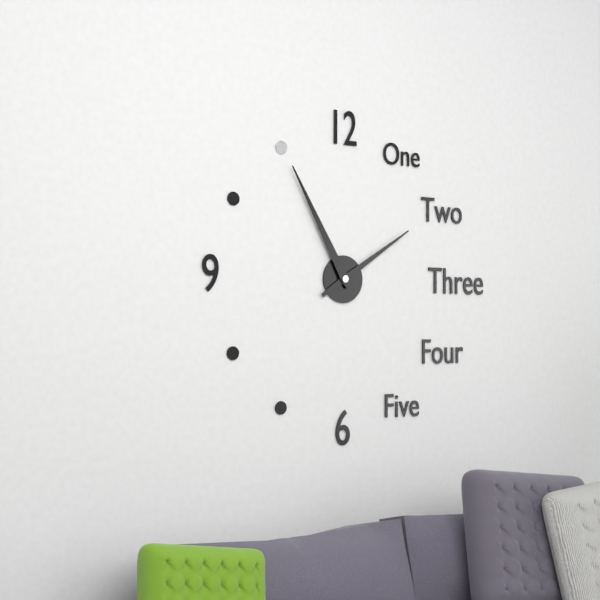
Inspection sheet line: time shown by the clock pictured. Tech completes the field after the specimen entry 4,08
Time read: 1,55
